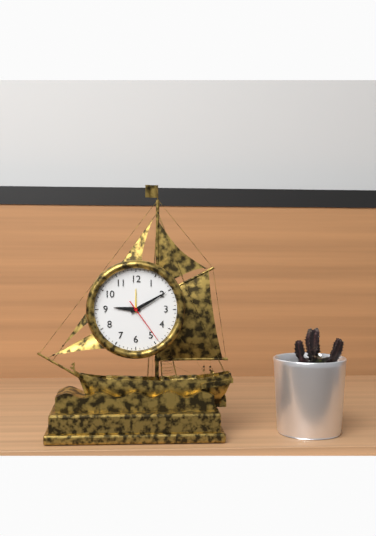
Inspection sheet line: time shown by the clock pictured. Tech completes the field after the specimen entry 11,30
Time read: 9,10
